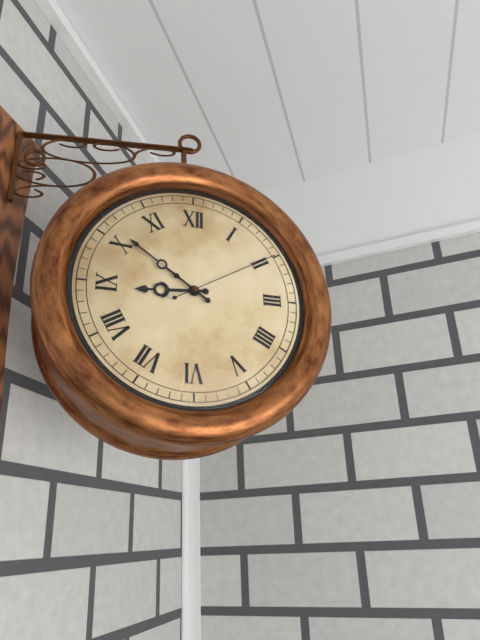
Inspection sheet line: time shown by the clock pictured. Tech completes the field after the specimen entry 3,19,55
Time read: 8,51,10
